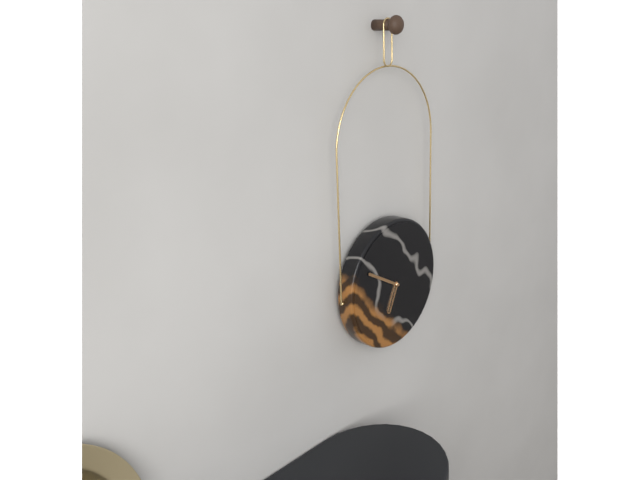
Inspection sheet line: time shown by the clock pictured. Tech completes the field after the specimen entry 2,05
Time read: 6,50
